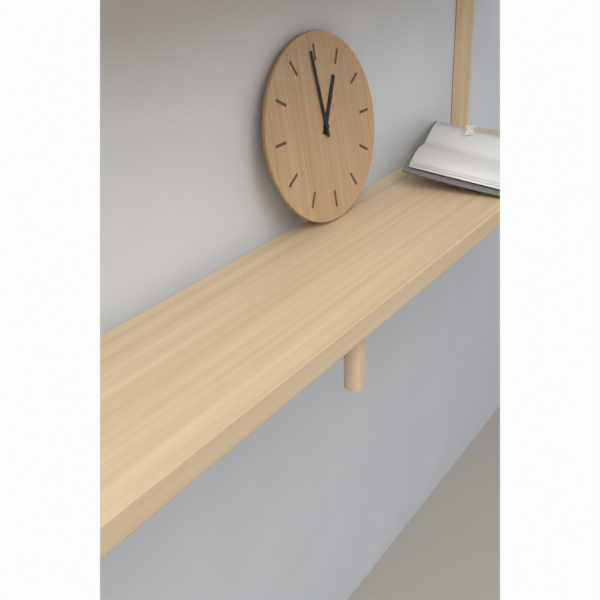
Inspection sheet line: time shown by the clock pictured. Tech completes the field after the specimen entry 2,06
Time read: 12,59
